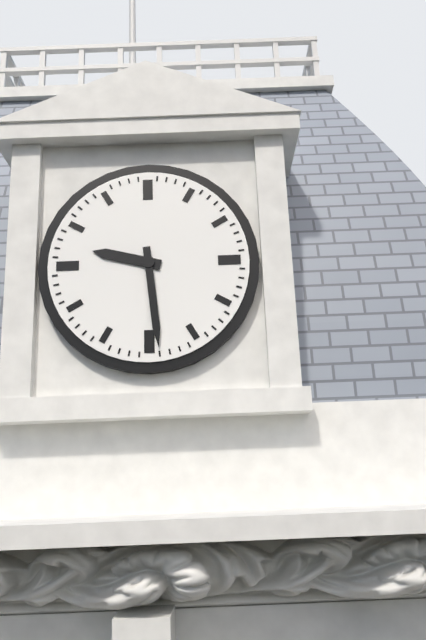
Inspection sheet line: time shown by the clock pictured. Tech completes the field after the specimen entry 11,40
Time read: 9,29
